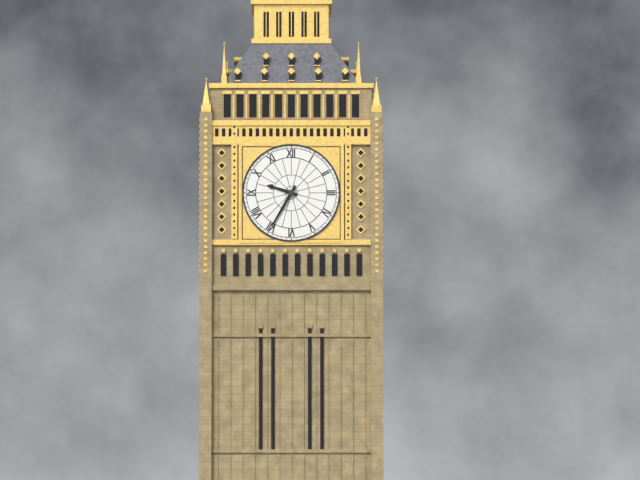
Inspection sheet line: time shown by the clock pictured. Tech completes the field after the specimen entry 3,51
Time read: 9,35
